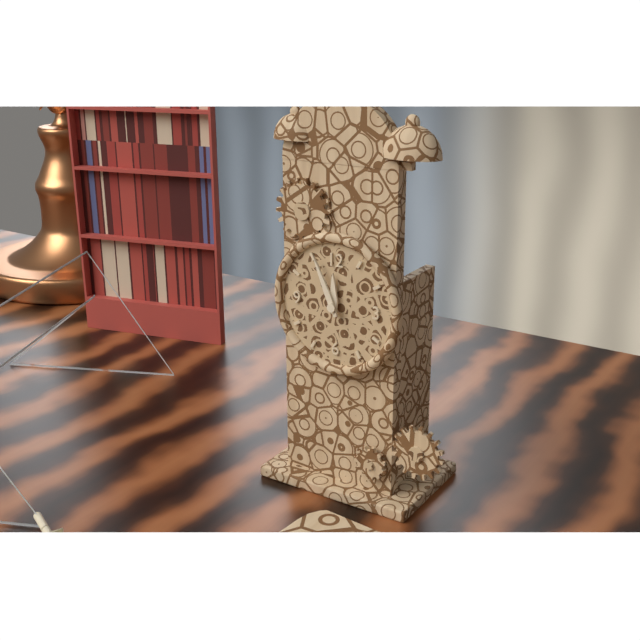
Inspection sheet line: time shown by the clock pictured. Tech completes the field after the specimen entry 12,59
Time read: 11,56
